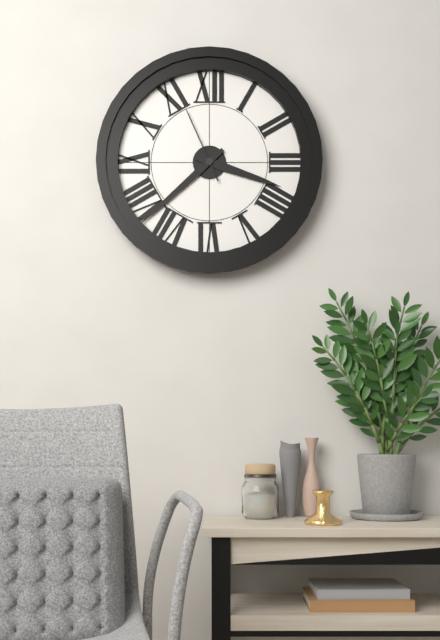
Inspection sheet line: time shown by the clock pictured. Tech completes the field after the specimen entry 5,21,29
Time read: 3,38,56
